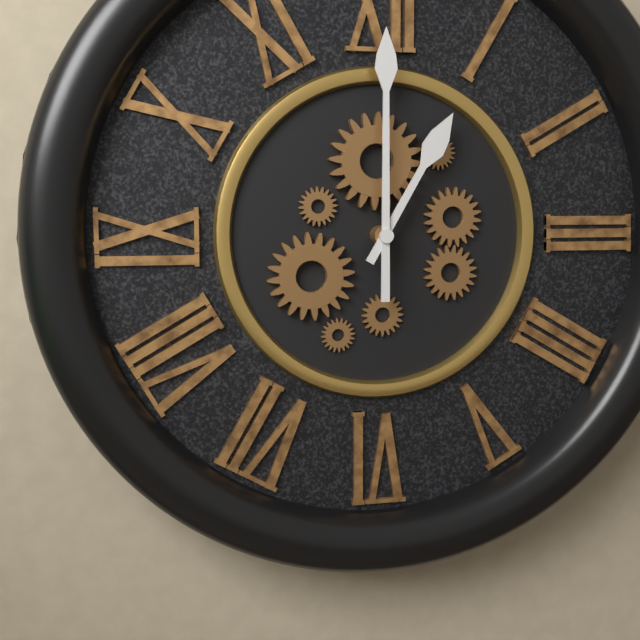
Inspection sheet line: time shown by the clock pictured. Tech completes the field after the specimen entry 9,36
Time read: 1,00
